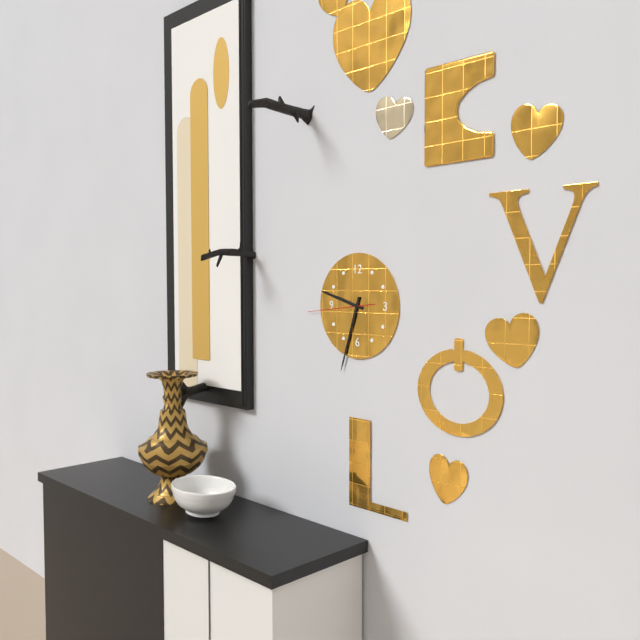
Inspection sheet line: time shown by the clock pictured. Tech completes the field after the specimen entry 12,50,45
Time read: 9,33,44
